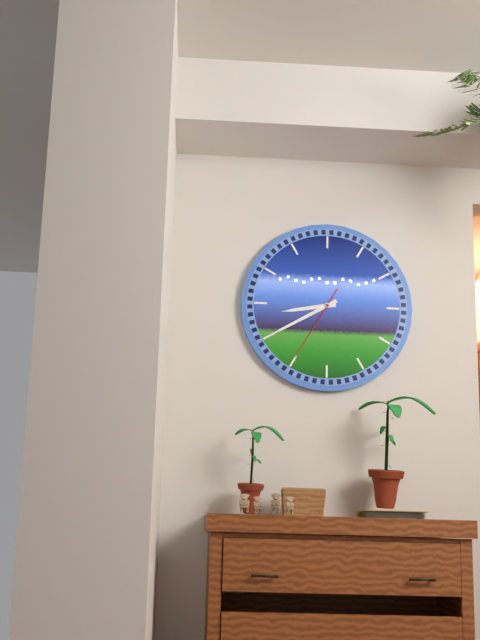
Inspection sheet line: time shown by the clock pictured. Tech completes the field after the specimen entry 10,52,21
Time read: 8,40,35
